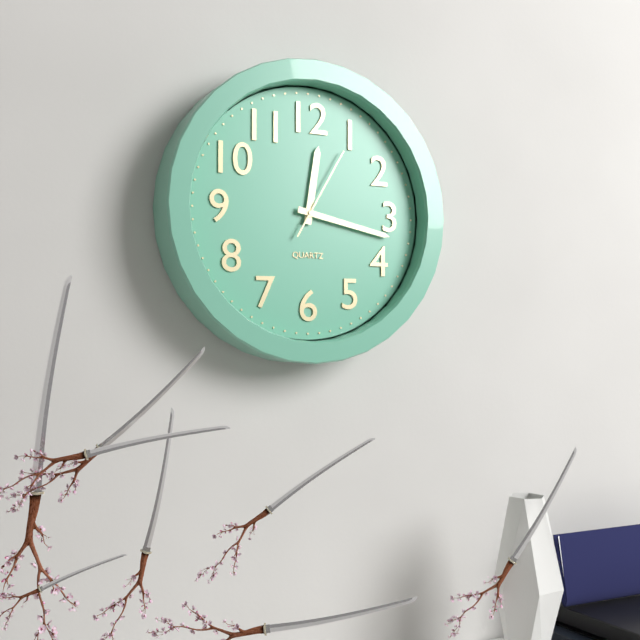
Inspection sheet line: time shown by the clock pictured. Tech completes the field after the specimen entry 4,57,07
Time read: 12,17,05
